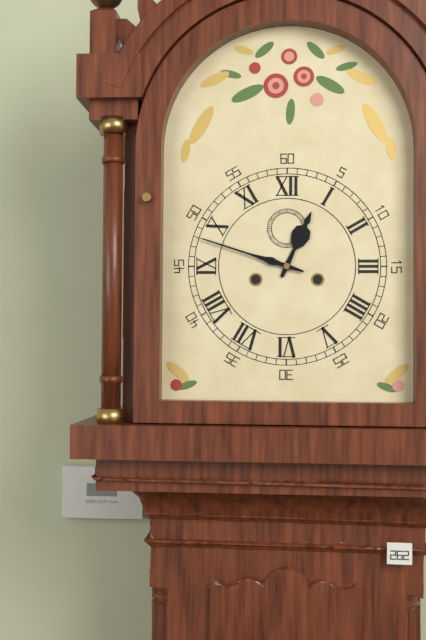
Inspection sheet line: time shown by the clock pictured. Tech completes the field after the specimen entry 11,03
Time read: 12,48
